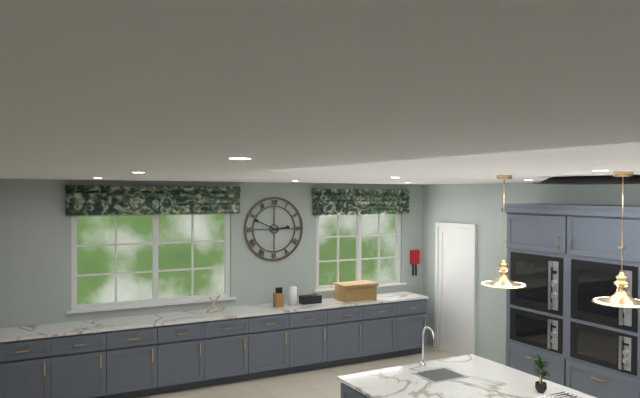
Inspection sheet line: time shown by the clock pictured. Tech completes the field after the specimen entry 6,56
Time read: 2,49
